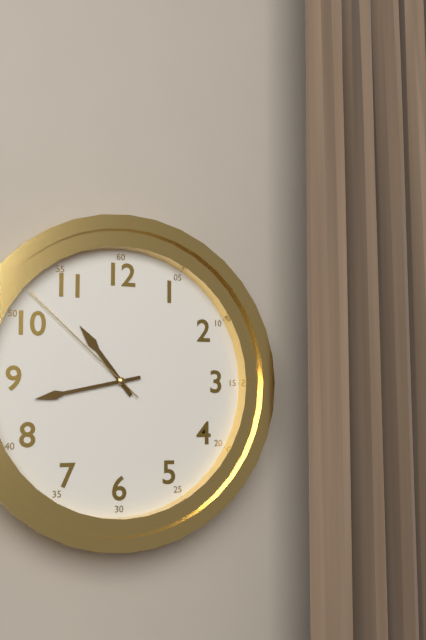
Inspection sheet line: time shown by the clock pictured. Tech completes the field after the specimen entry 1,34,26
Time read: 10,43,52
